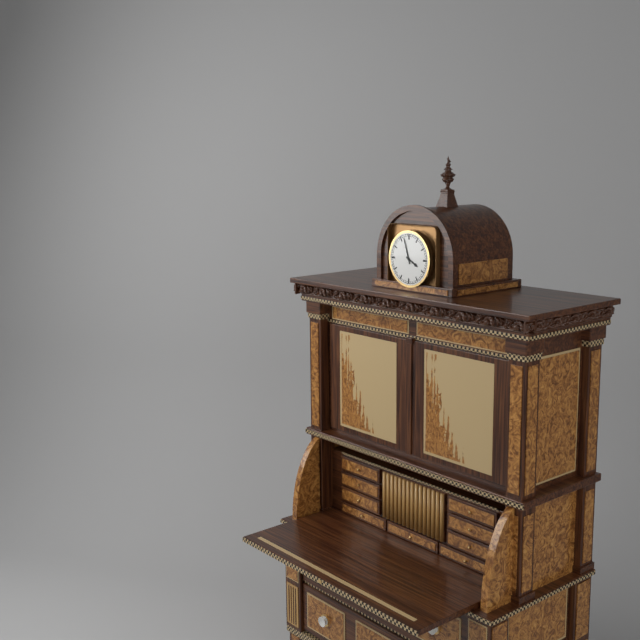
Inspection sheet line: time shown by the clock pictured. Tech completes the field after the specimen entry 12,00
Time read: 3,57
